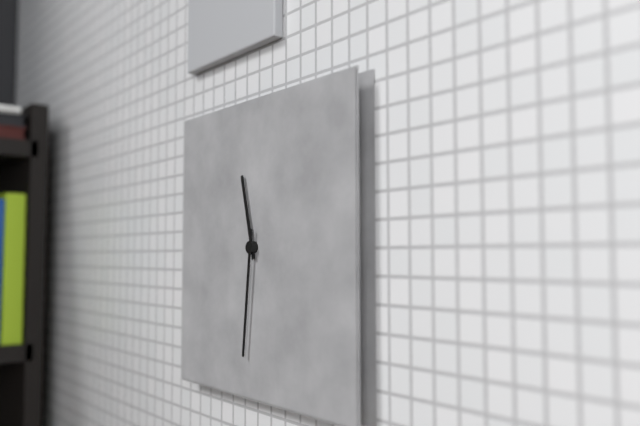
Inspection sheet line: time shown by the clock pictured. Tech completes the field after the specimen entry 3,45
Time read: 11,31
